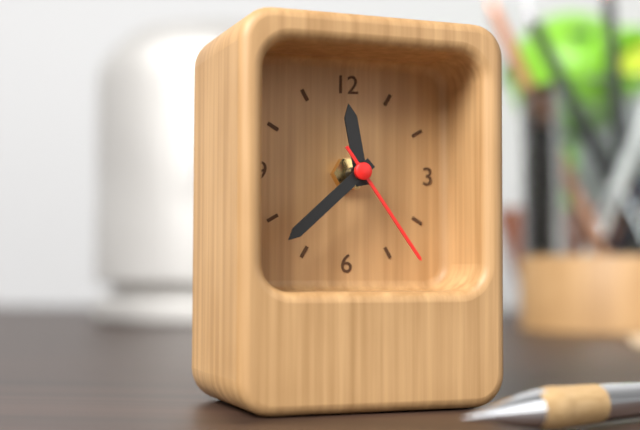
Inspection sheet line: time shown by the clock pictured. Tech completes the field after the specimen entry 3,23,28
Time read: 11,38,24
